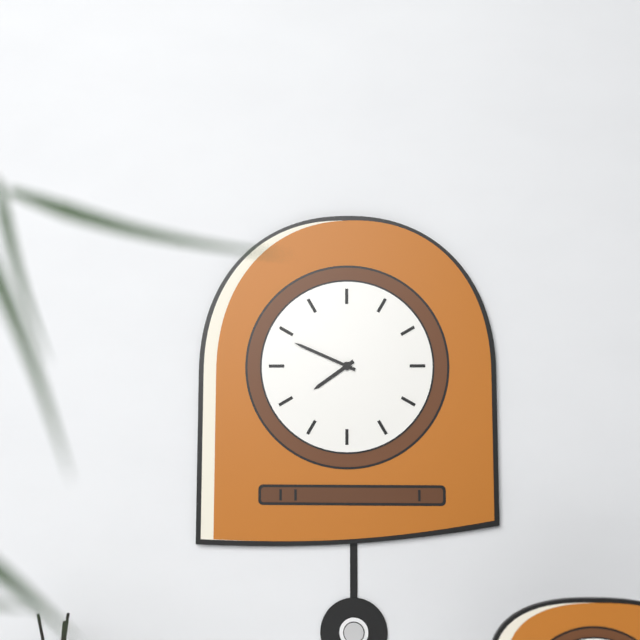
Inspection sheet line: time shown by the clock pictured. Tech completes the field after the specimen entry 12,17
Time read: 7,49
